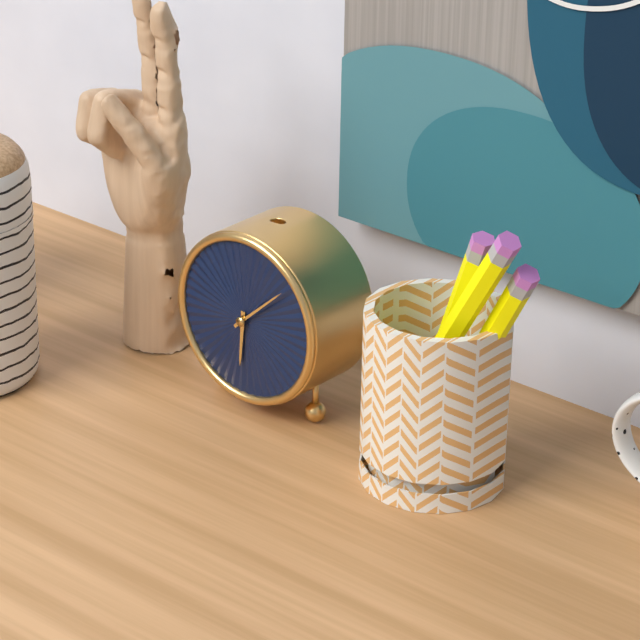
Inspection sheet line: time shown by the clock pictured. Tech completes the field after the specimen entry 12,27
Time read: 6,08
